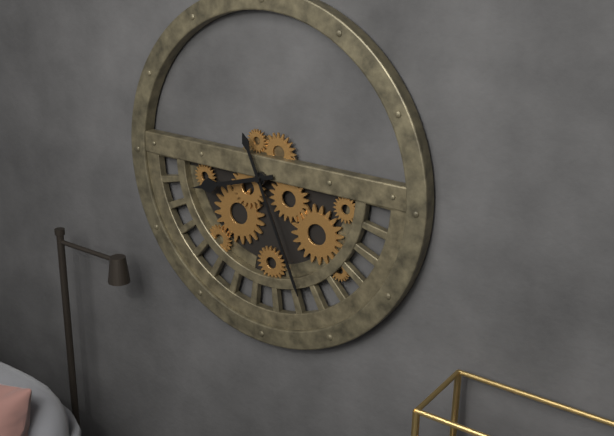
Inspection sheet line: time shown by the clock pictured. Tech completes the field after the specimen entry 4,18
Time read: 8,26
